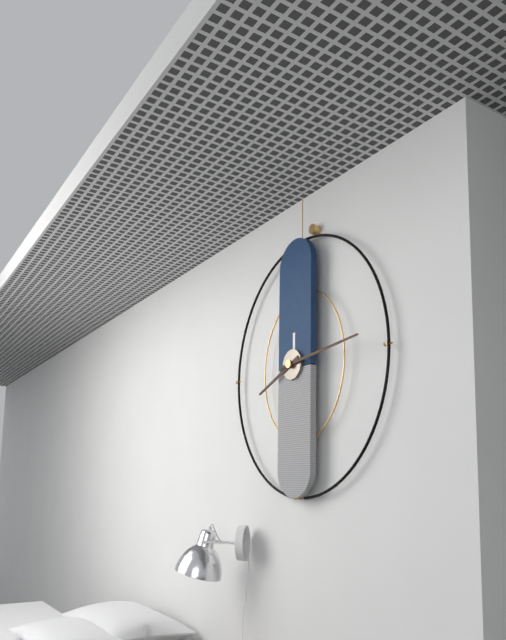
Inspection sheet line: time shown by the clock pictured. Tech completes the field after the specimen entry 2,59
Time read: 8,14
